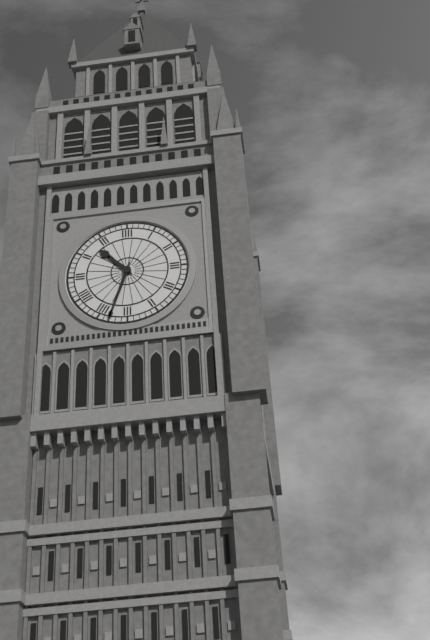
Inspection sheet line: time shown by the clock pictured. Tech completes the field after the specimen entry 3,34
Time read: 10,33
